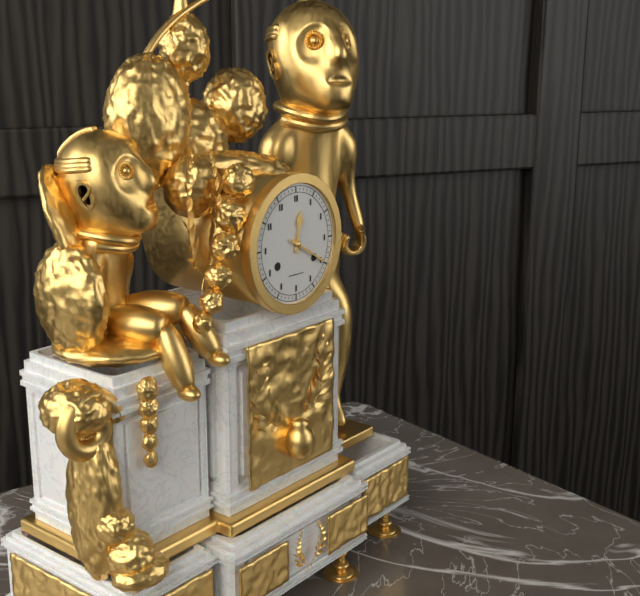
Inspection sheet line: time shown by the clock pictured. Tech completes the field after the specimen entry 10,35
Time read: 12,20
